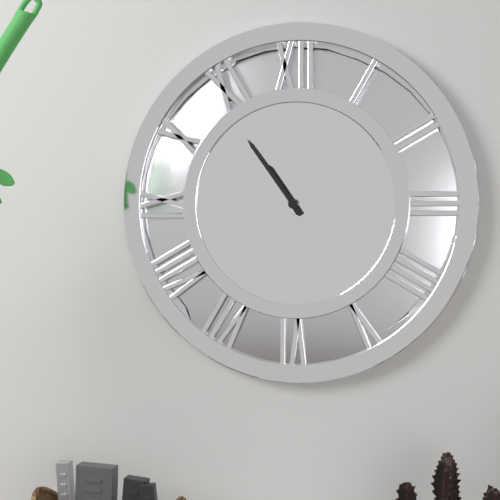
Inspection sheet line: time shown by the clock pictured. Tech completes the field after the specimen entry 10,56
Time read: 10,54
